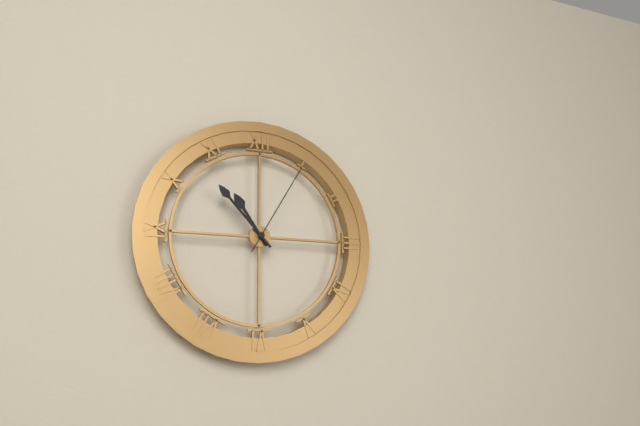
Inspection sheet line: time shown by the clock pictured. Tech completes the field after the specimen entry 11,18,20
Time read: 10,53,05
